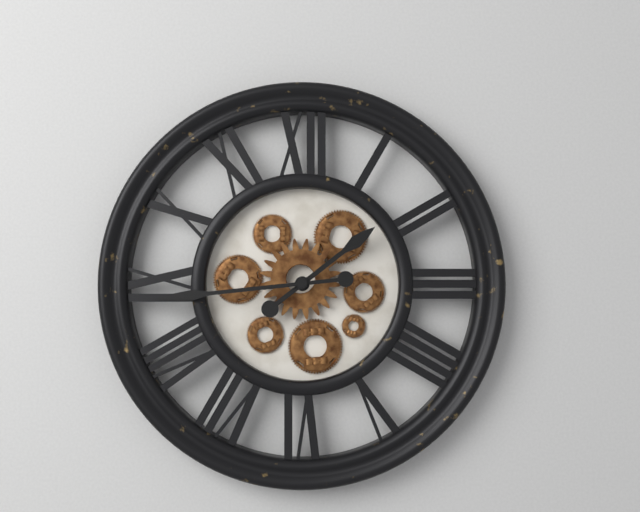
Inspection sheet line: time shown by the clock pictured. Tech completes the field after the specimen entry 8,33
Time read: 1,44
